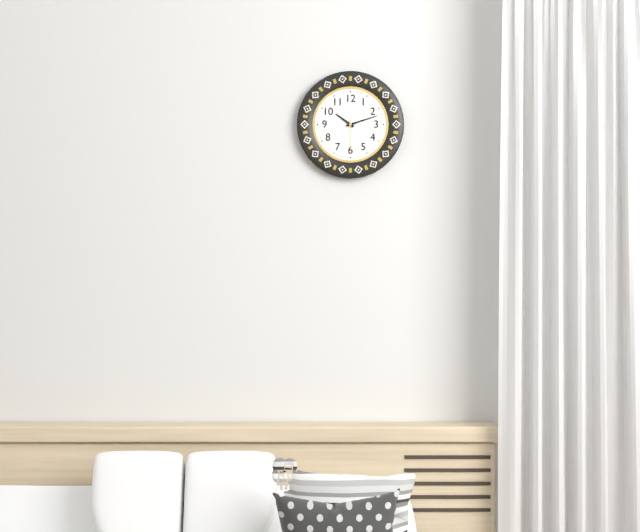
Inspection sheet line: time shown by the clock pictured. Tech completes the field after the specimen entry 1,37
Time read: 10,12
